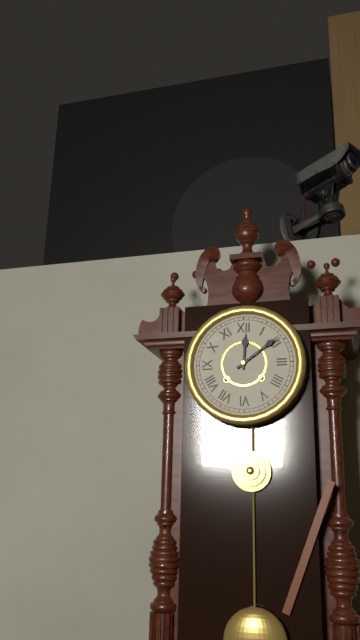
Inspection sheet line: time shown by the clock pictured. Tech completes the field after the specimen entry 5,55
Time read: 12,09
